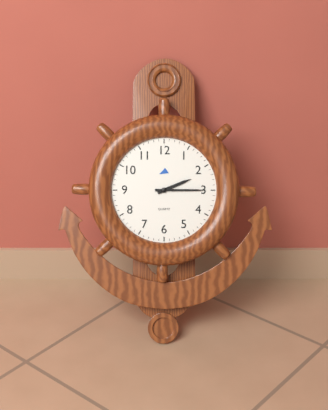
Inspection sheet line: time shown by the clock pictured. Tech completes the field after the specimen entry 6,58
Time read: 2,15
